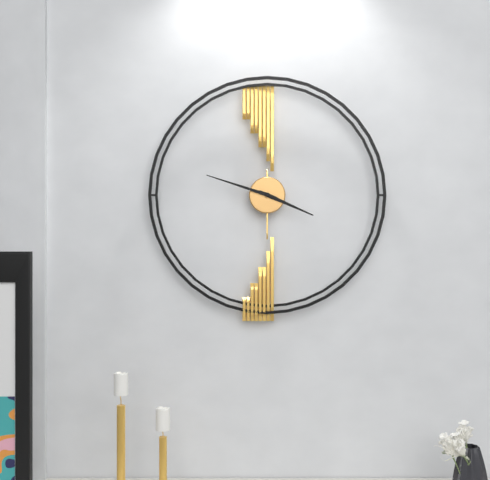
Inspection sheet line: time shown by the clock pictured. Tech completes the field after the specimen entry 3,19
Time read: 3,48
